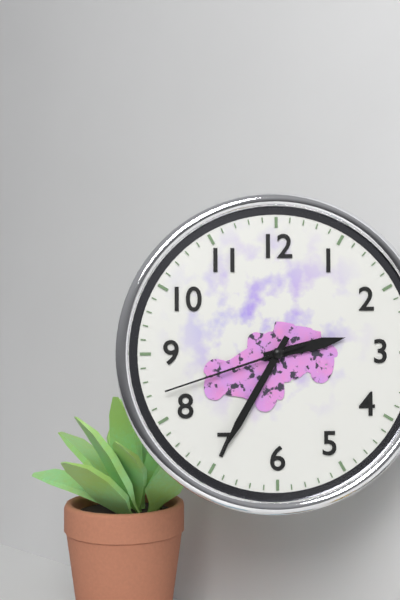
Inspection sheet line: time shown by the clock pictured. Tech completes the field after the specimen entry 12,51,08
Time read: 2,35,42
